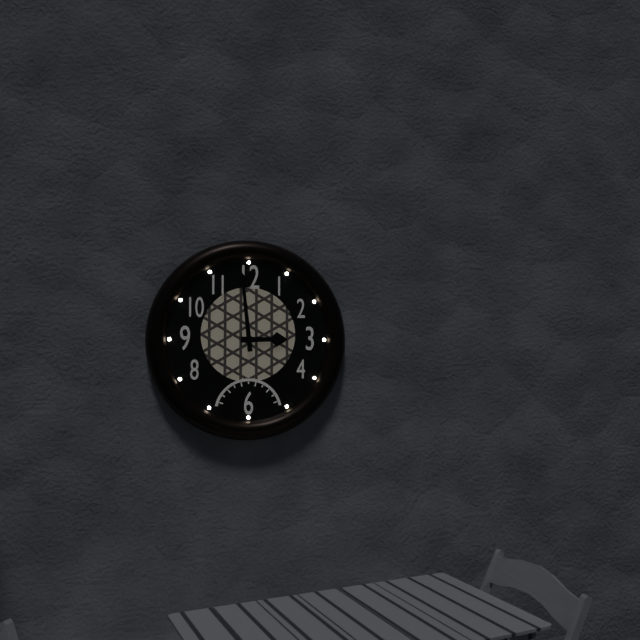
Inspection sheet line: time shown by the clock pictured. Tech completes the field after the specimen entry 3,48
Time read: 2,59
